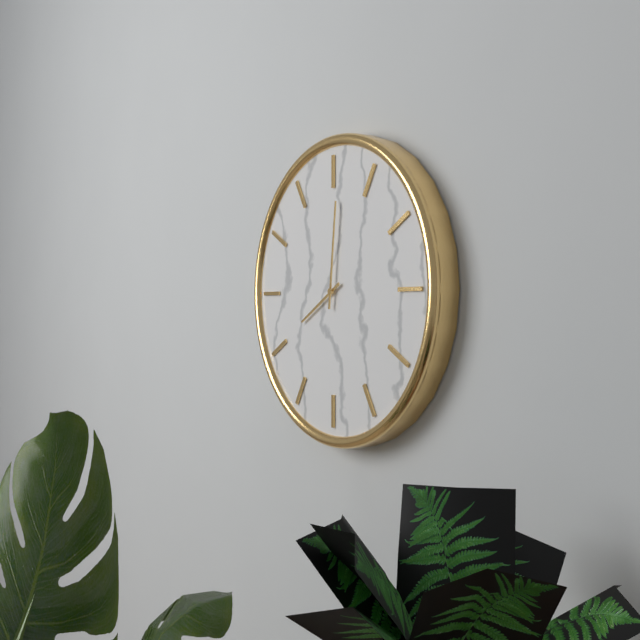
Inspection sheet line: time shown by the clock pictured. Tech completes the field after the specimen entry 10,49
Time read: 8,01
